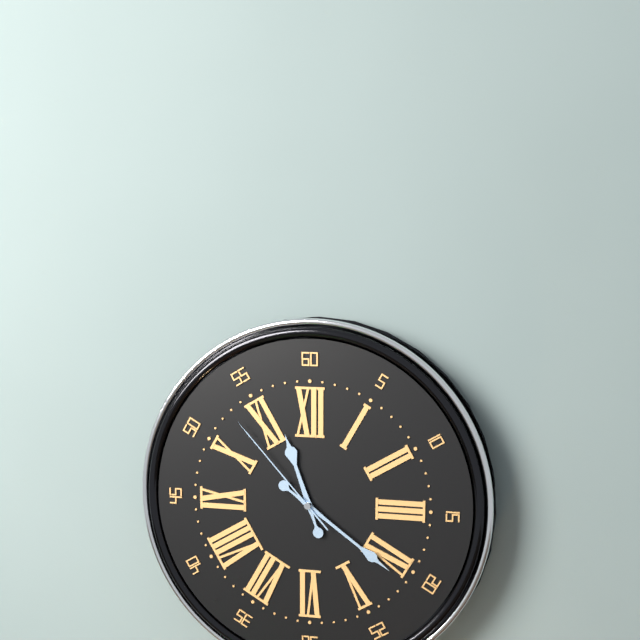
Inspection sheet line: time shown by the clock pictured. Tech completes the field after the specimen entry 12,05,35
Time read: 11,21,53
